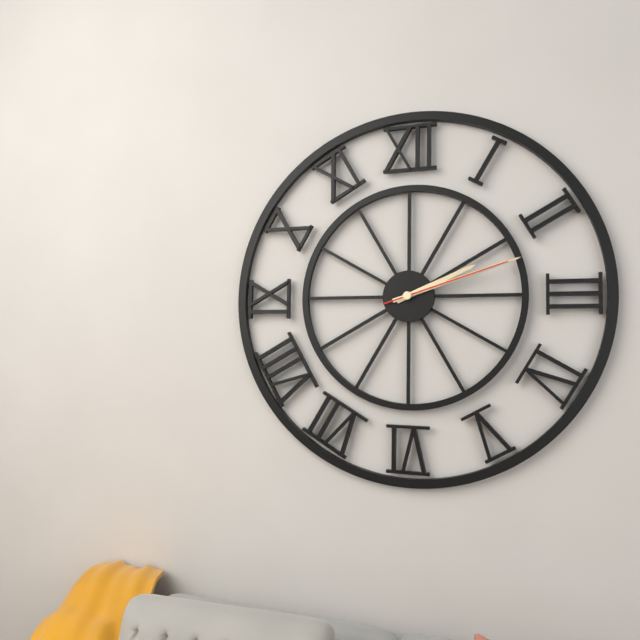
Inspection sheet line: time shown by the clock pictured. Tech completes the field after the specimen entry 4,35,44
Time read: 2,12,12
